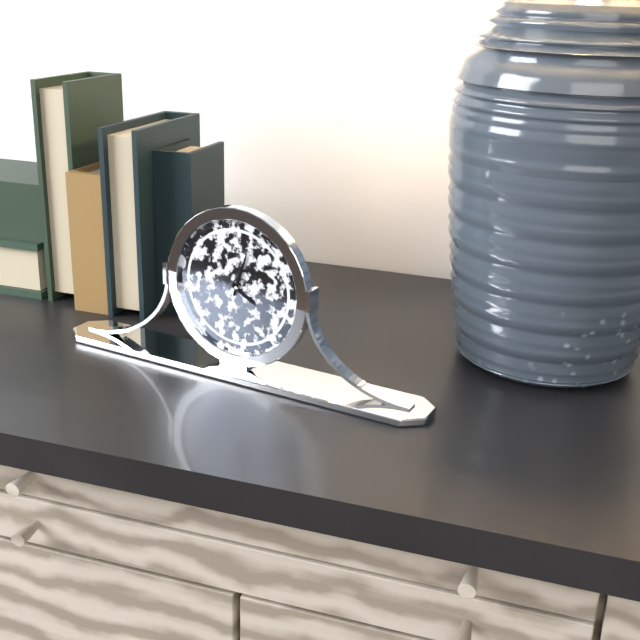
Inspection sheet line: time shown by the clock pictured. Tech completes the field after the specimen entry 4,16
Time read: 4,03
